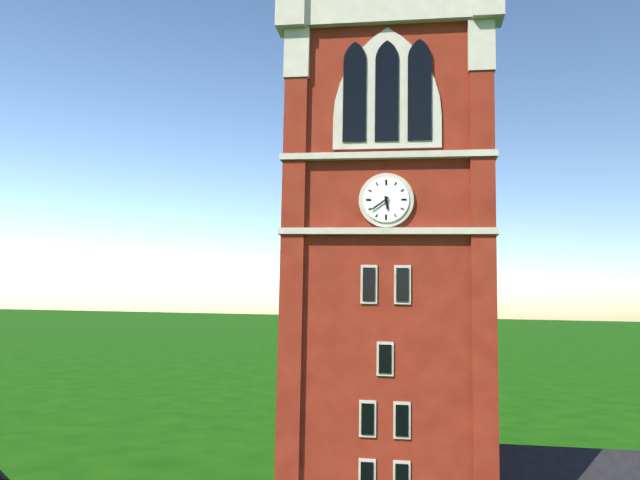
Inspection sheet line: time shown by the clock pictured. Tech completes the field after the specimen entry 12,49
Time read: 5,39
